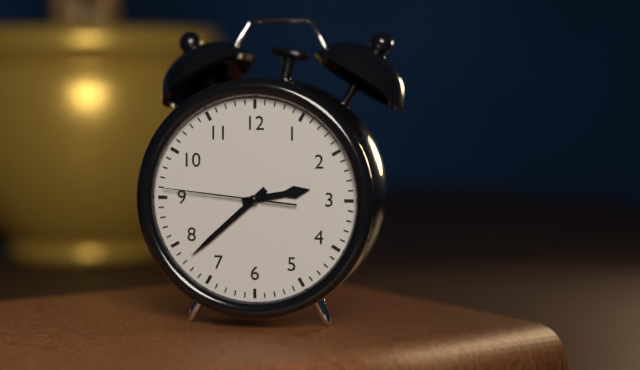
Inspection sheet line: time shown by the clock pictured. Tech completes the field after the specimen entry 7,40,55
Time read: 2,38,46
